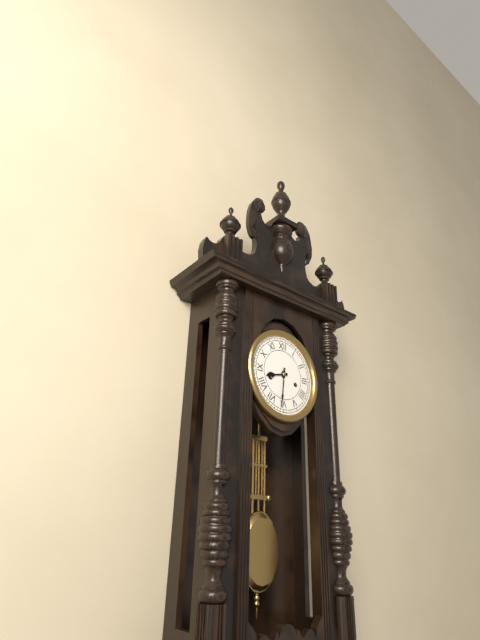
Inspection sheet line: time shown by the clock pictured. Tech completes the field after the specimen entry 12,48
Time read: 8,31
